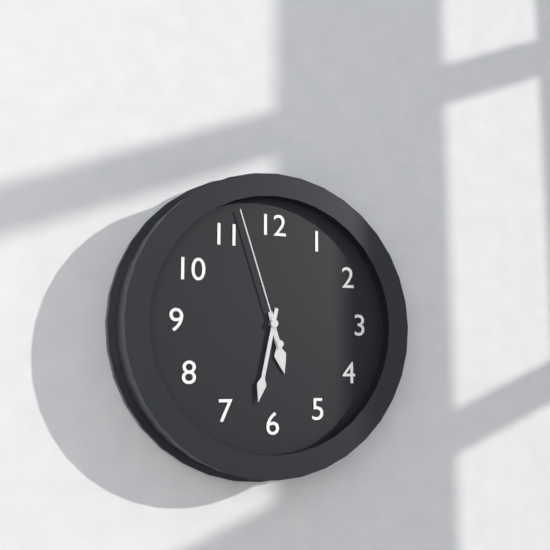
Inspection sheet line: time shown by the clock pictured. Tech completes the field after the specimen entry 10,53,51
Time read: 5,32,57
